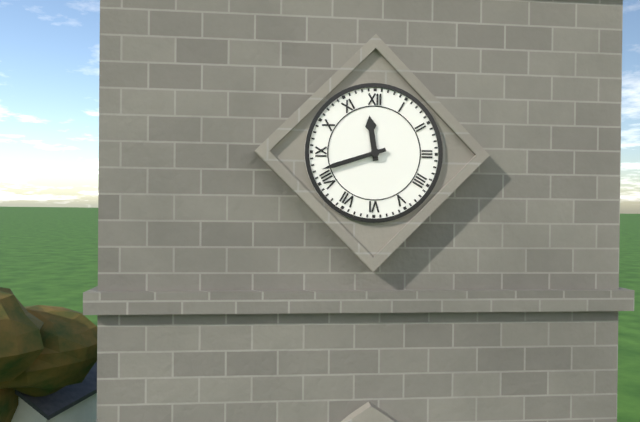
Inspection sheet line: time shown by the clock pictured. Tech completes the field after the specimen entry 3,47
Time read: 11,42
